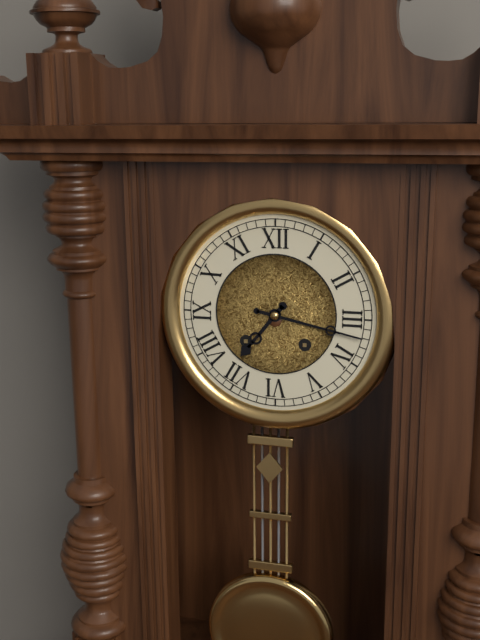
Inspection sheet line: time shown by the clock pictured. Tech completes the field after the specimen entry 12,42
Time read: 7,17
